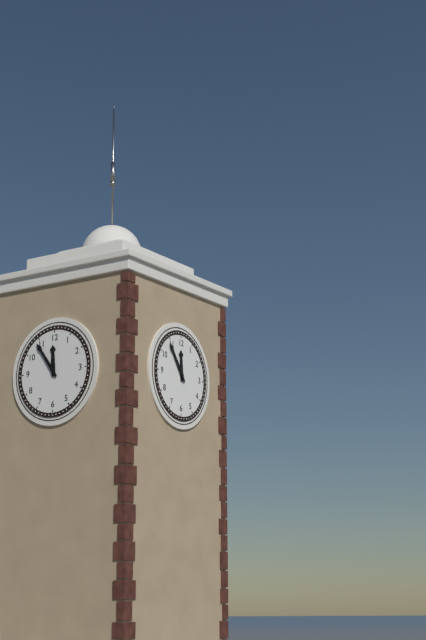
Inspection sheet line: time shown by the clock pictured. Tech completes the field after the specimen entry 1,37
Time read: 11,54
